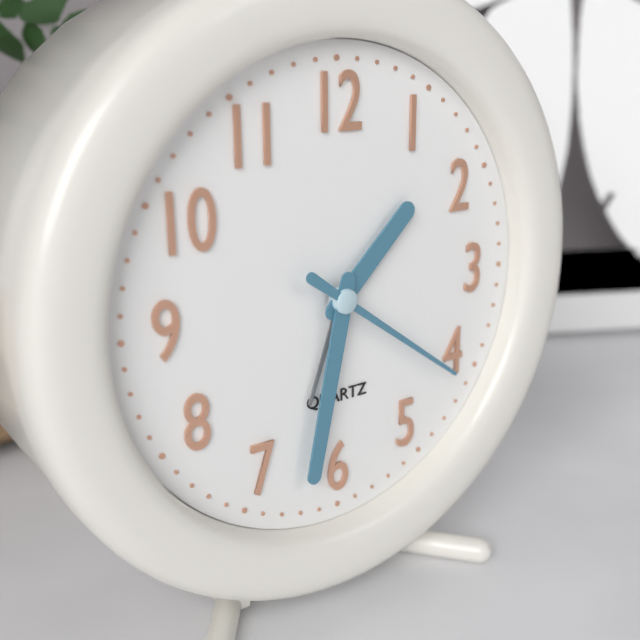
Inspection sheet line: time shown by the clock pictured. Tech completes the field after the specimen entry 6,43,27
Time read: 1,32,21
